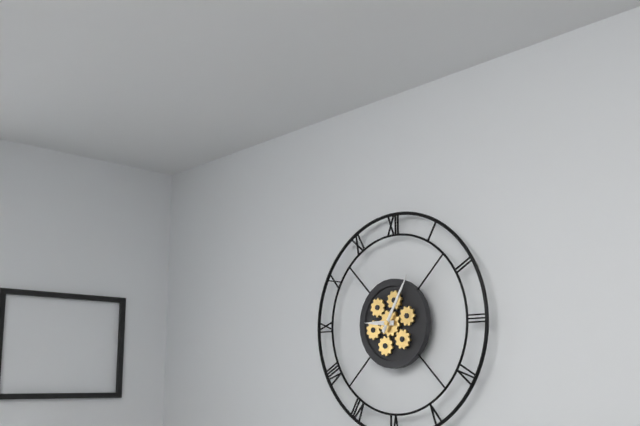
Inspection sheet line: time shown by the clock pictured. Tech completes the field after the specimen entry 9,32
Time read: 9,05
